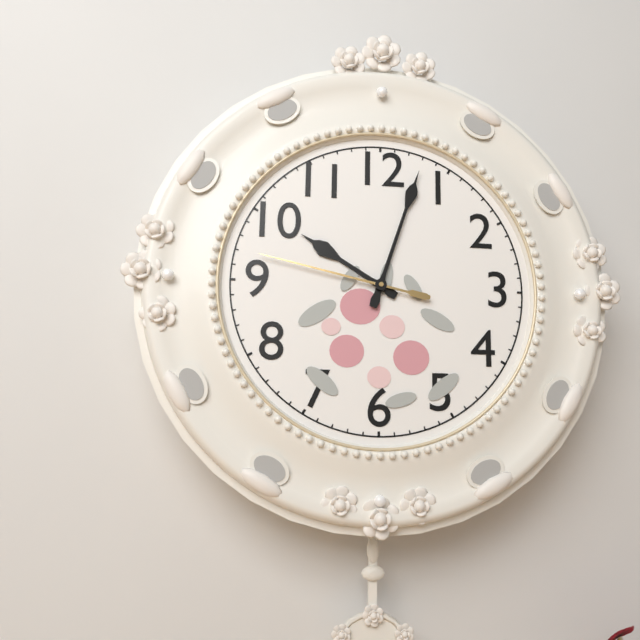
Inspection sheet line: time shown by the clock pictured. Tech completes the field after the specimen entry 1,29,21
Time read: 10,03,47
